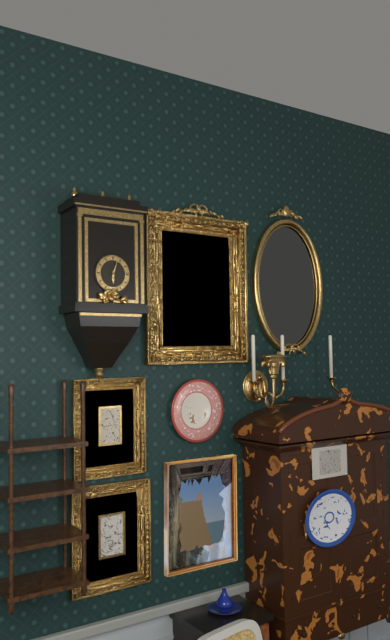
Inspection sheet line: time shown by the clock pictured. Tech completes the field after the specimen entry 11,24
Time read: 6,03
